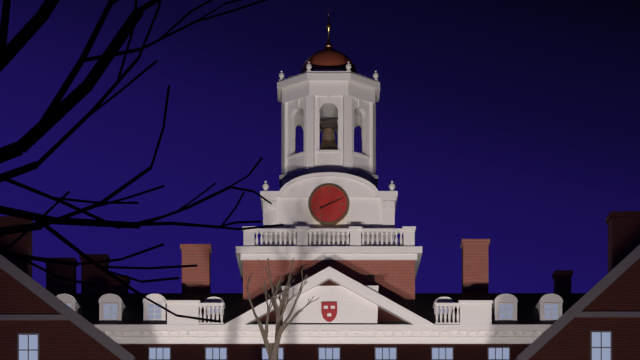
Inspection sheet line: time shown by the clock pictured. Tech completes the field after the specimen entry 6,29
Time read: 8,11
